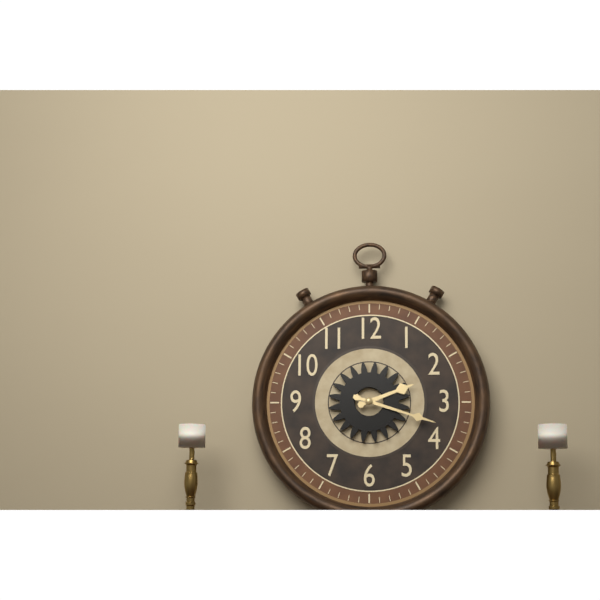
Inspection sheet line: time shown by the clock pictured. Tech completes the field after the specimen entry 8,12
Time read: 2,18
